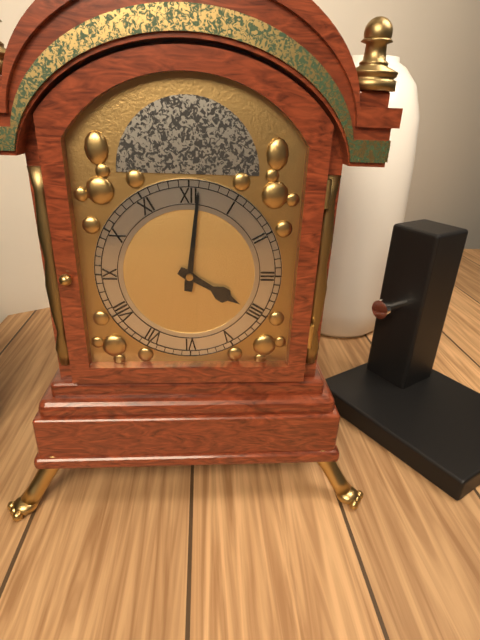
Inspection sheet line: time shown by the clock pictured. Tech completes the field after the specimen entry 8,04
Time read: 4,01
